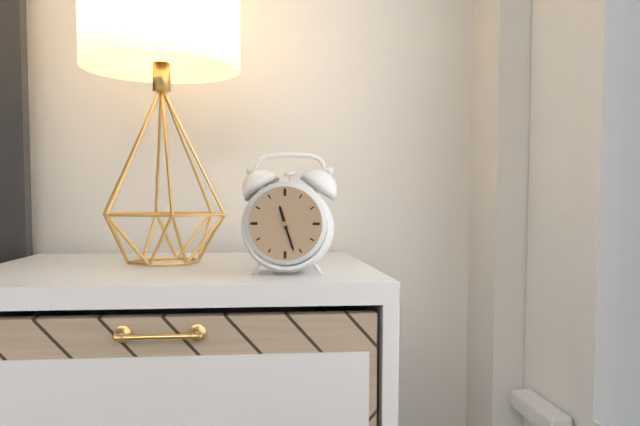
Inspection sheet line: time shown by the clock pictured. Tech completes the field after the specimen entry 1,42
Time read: 11,27
